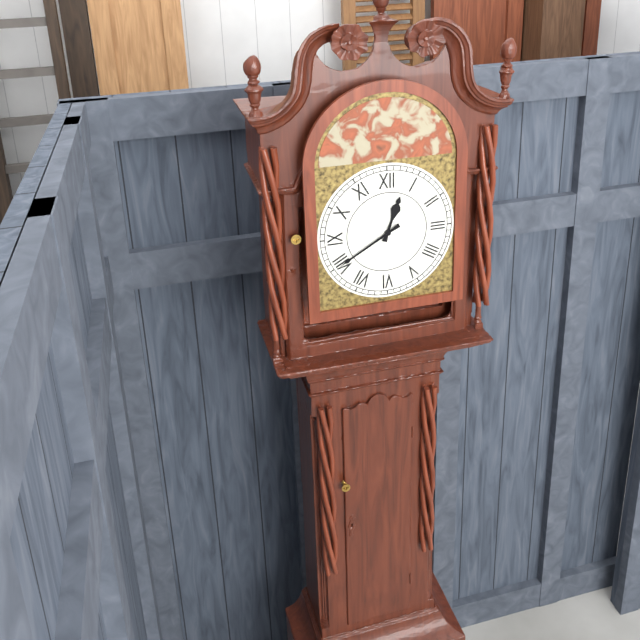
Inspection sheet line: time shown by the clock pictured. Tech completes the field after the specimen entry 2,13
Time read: 12,40
